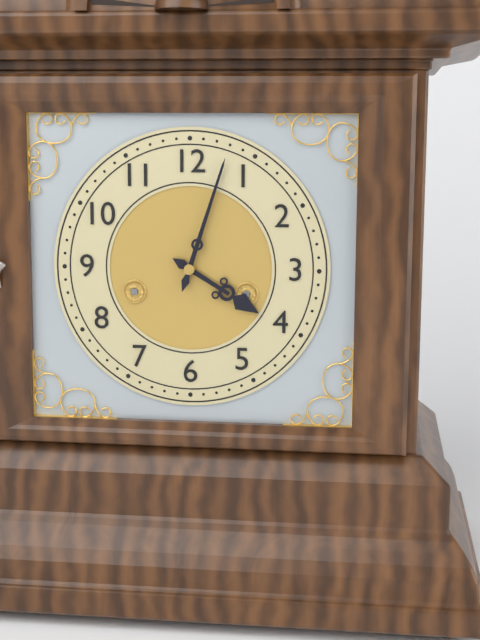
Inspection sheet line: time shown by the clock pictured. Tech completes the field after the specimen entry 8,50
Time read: 4,03
